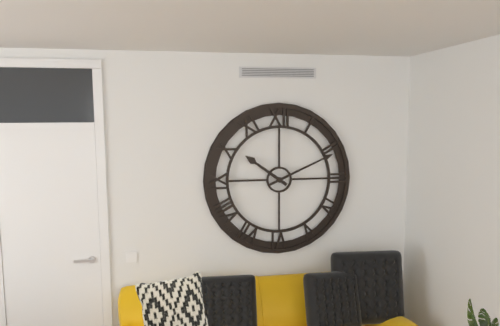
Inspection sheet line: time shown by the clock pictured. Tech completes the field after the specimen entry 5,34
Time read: 10,11
